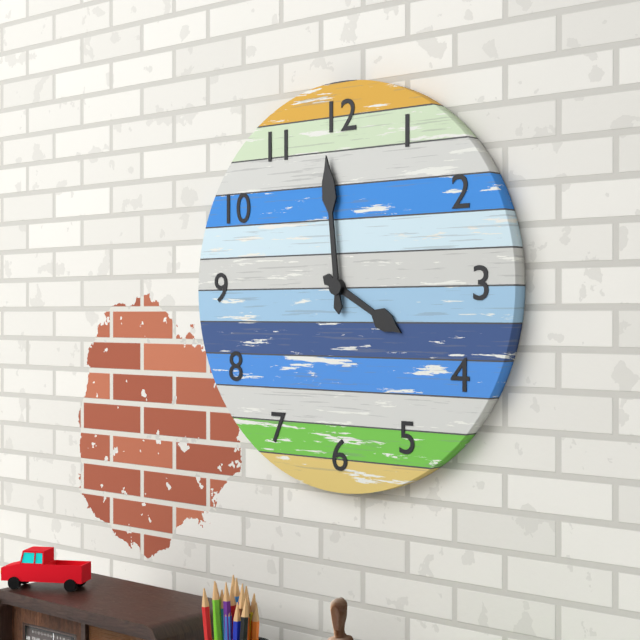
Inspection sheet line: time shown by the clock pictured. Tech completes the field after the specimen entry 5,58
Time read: 3,59
